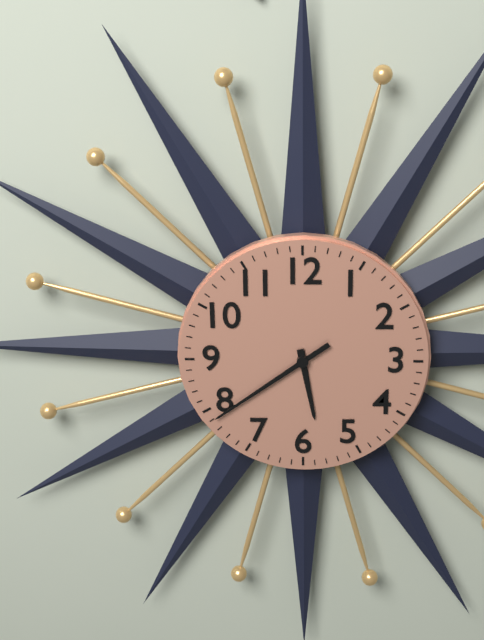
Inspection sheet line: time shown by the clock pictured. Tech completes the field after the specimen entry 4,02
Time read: 5,39
